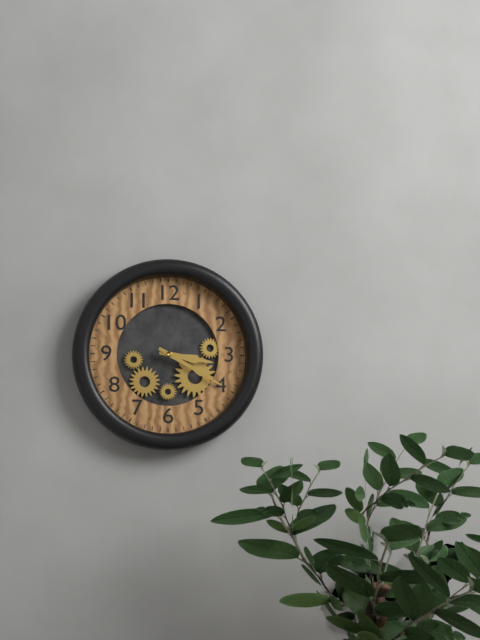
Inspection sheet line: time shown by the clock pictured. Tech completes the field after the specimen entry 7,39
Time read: 3,20
